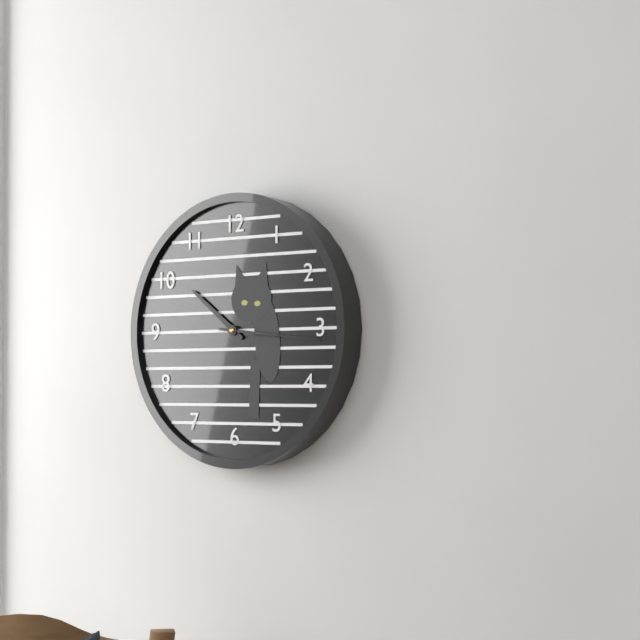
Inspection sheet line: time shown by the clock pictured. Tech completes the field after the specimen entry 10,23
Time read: 10,16
